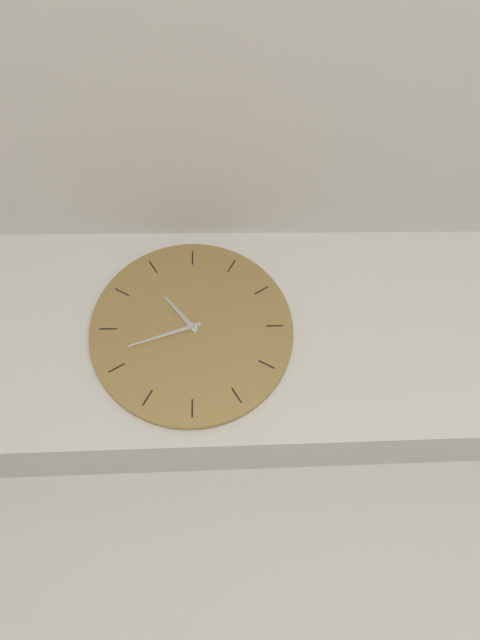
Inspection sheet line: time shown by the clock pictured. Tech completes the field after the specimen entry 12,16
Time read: 10,42
